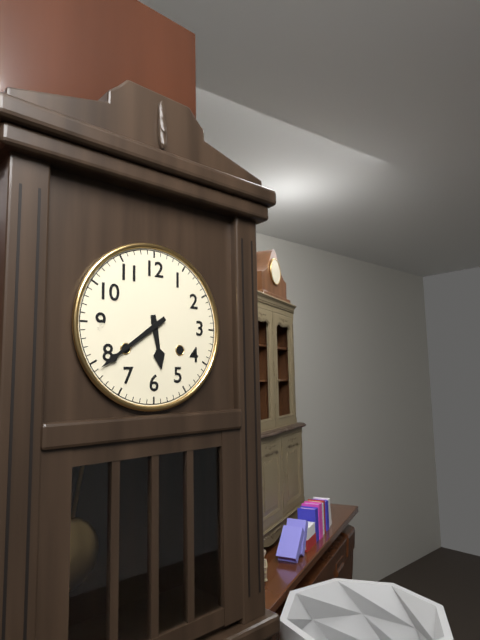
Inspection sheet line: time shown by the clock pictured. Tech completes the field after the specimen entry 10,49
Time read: 5,39
